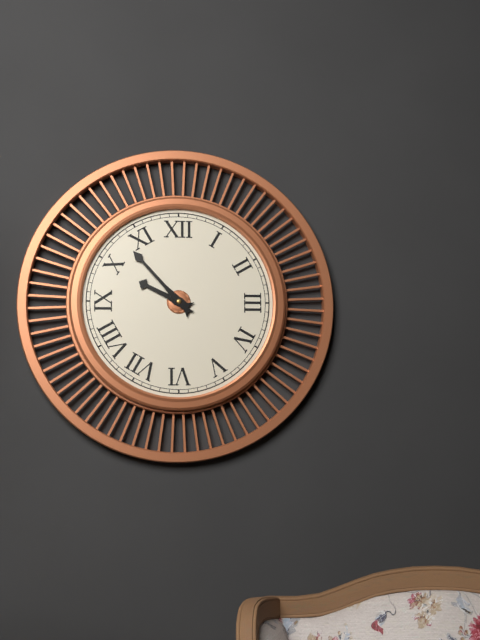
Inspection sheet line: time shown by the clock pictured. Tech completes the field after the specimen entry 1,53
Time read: 9,53
